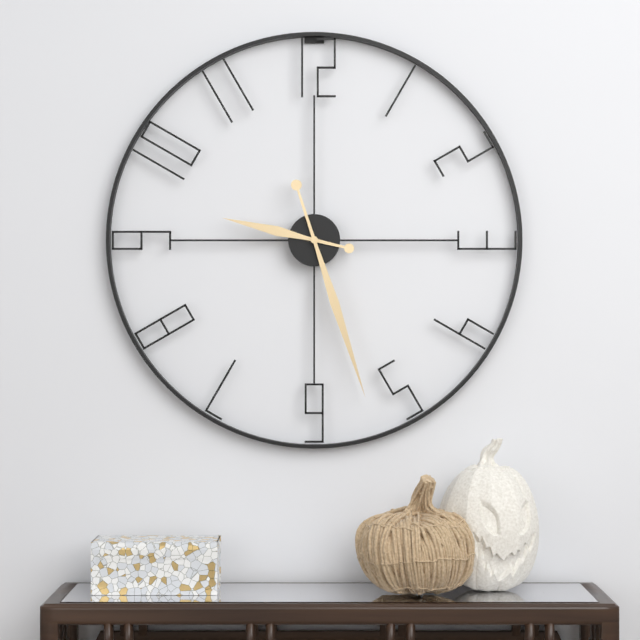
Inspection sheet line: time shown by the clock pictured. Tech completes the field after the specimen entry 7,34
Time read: 9,27
